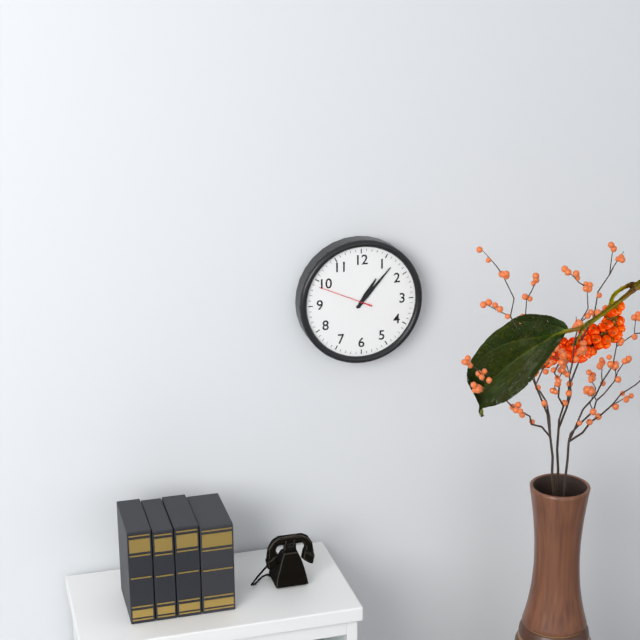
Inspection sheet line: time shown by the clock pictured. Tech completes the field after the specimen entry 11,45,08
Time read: 1,07,49
